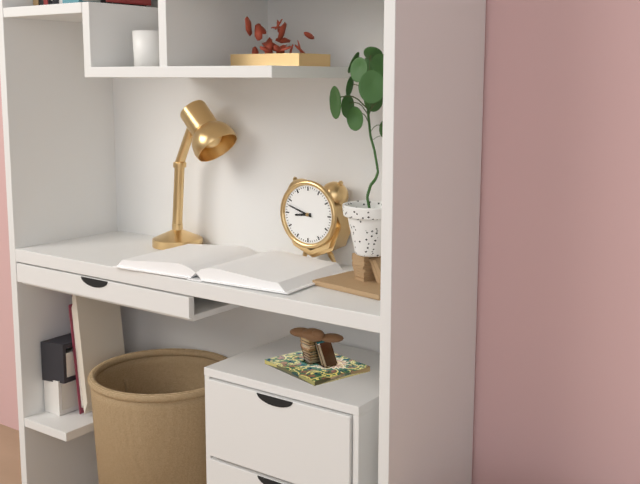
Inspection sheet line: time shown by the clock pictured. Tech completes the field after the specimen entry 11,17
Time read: 8,48
